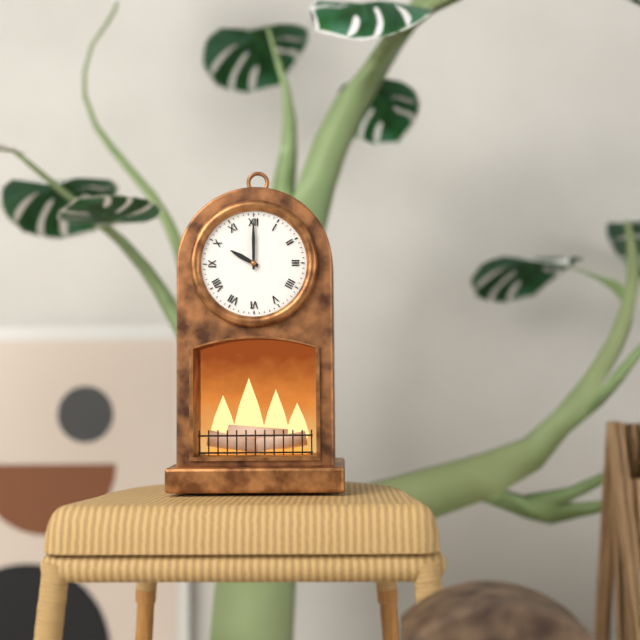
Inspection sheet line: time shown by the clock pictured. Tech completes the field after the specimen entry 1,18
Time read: 10,00
